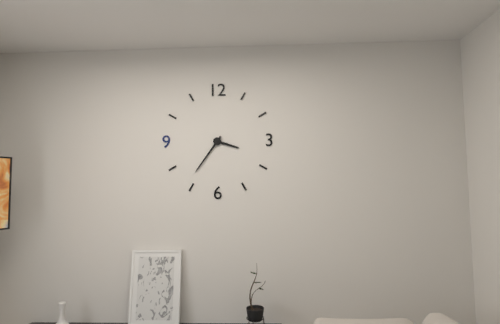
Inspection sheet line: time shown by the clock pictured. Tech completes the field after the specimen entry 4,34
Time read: 3,36
